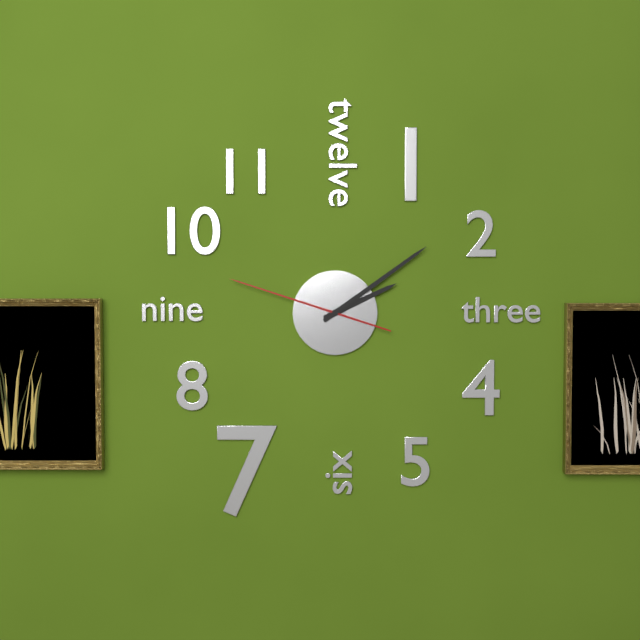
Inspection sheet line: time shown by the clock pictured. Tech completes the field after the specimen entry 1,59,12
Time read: 2,09,48
